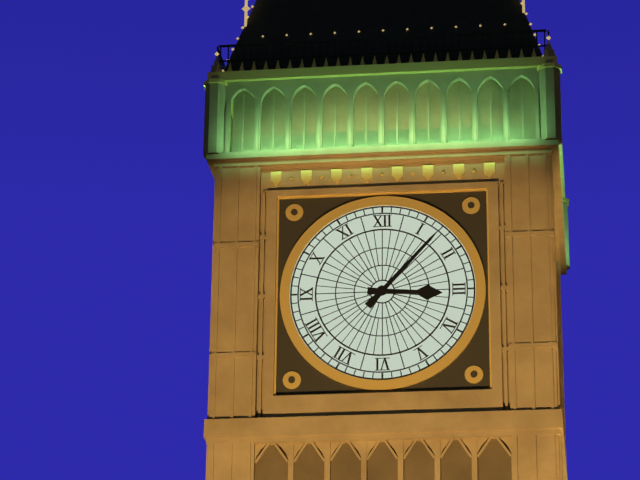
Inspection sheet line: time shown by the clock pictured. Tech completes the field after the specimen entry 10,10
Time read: 3,07
